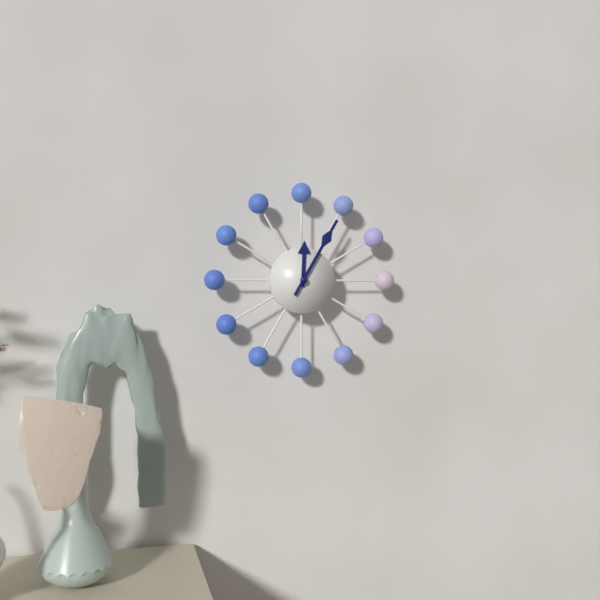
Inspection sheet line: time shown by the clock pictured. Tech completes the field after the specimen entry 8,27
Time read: 12,05
